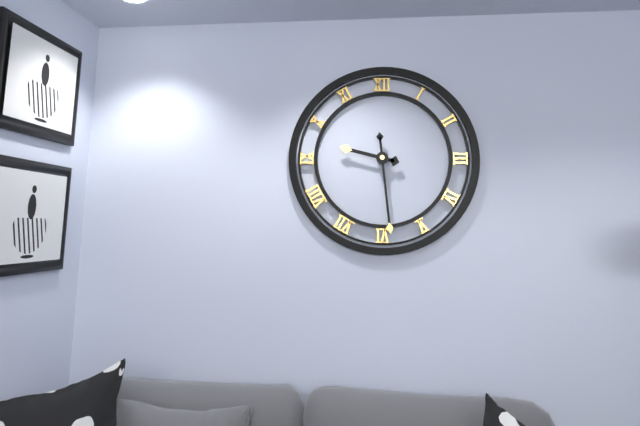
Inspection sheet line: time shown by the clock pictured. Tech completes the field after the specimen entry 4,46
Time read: 9,29
